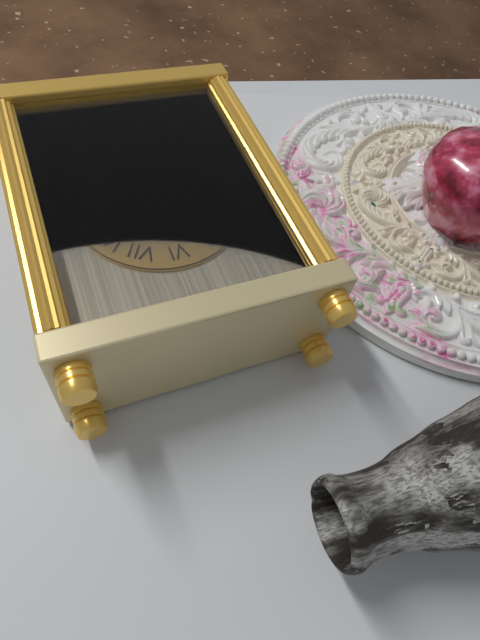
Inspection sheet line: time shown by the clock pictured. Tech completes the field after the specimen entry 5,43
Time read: 7,42
